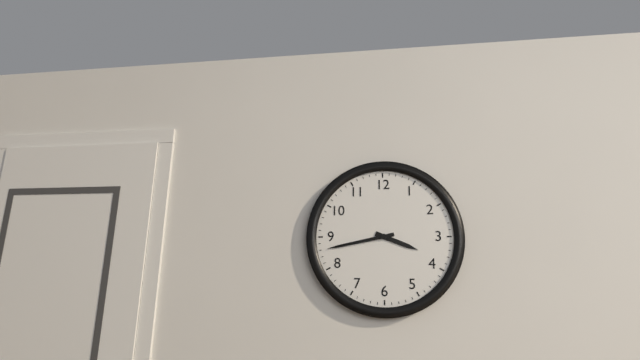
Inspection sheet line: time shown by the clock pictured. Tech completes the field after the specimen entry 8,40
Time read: 3,43
